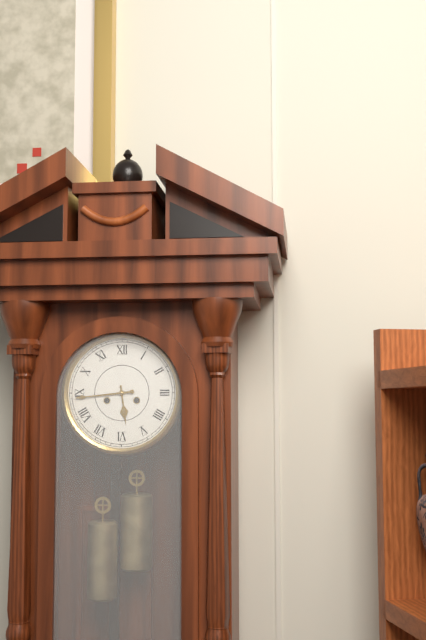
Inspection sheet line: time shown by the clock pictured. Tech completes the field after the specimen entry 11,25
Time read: 5,44
